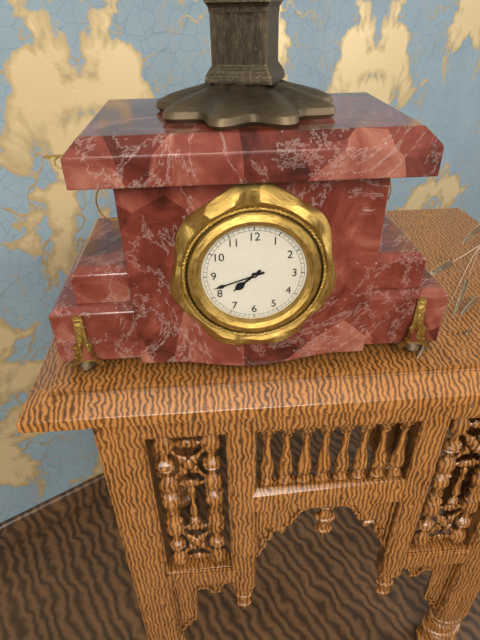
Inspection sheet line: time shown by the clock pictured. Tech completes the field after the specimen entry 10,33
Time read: 7,42
